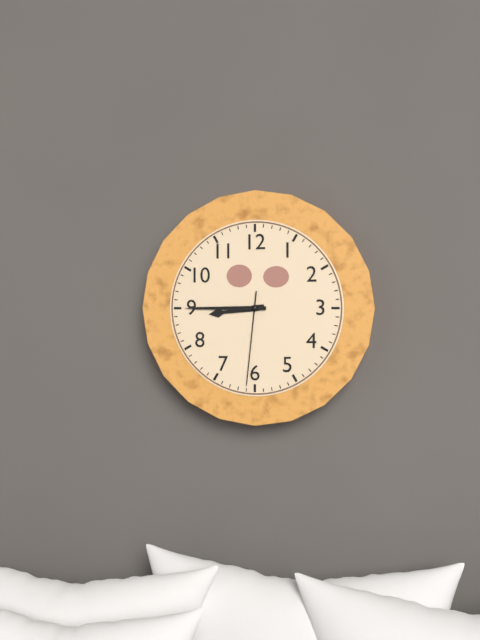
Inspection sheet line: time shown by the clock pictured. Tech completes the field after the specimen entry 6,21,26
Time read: 8,45,31
